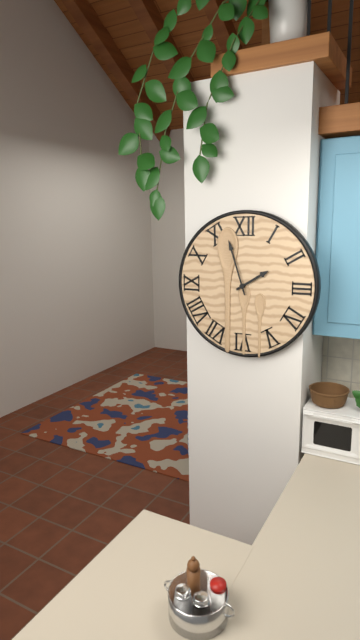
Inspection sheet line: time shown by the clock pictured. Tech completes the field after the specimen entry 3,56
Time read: 1,57
